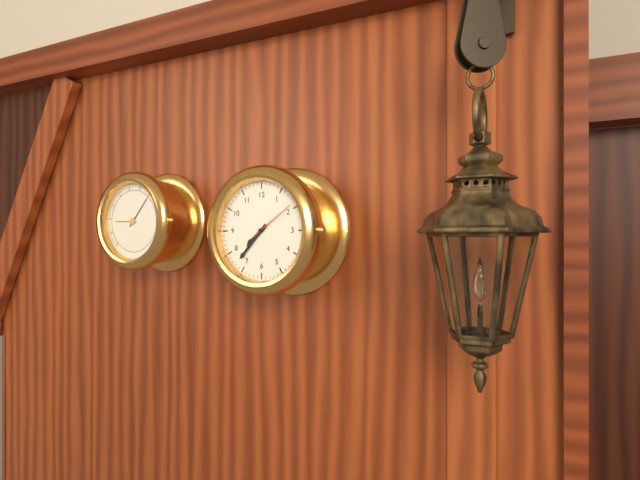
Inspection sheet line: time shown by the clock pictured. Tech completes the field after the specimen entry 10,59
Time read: 7,37
